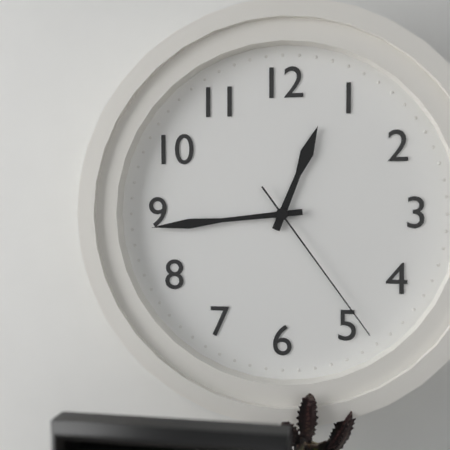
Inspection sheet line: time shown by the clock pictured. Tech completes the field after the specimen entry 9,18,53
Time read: 12,44,24
